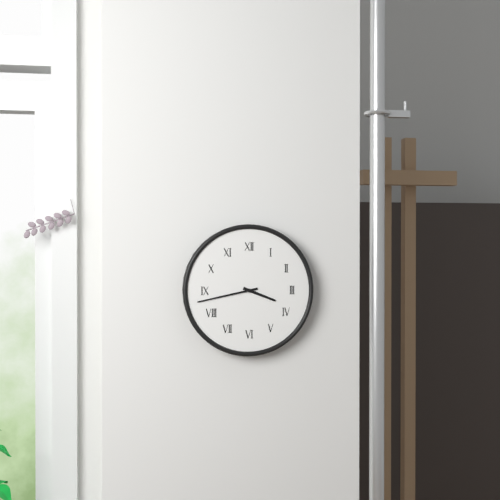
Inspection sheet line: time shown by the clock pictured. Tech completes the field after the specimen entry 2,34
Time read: 3,43
